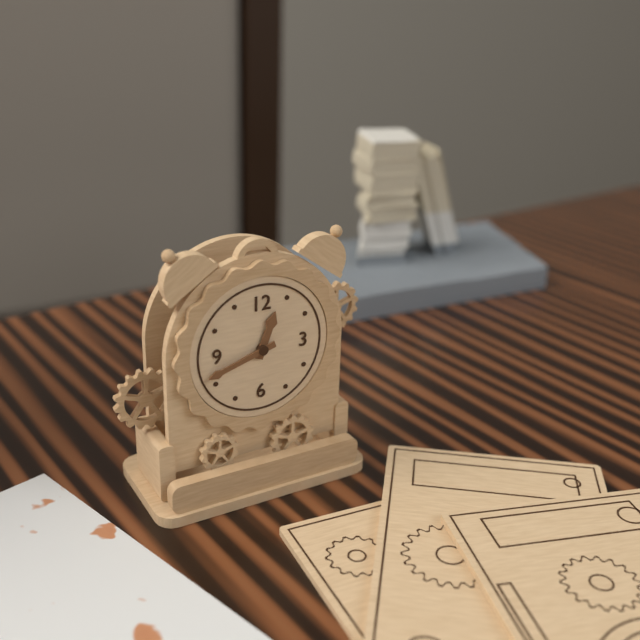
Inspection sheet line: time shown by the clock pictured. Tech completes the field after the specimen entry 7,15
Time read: 12,42
